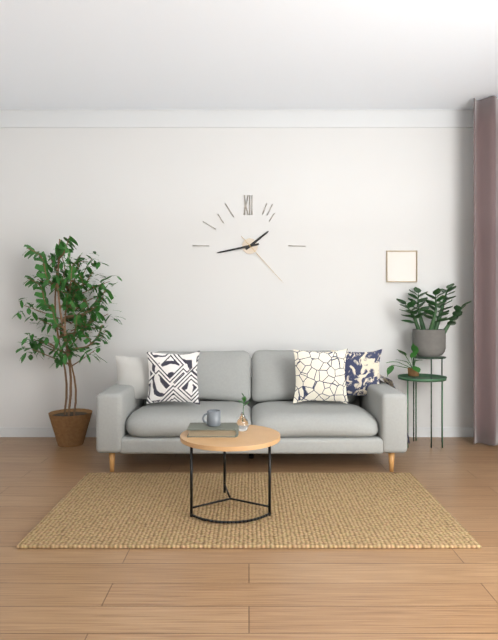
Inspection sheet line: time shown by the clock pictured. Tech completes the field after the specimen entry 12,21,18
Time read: 1,43,23
